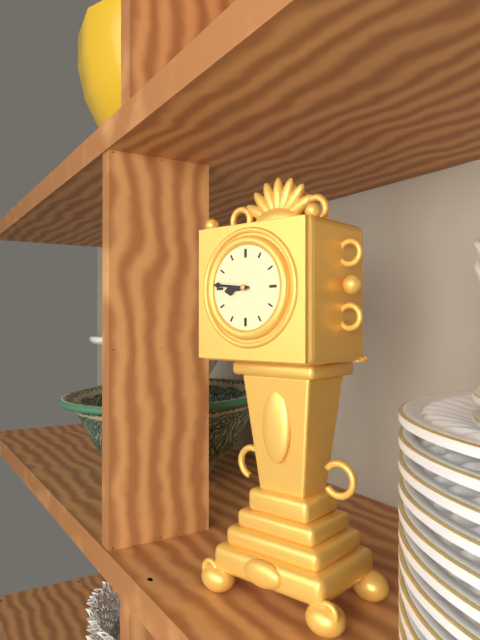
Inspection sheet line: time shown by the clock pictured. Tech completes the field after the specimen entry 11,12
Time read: 8,46
